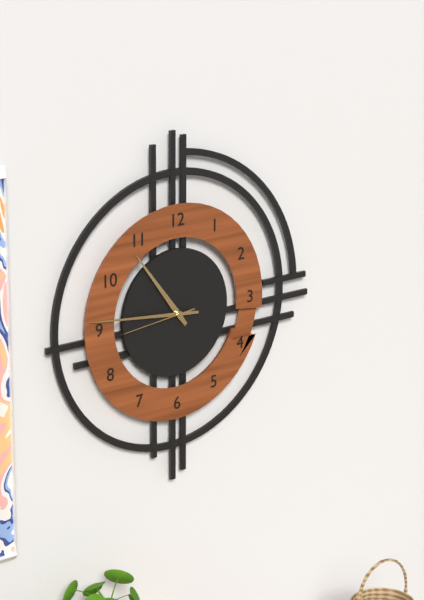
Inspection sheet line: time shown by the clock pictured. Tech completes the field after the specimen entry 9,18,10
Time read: 10,46,44
